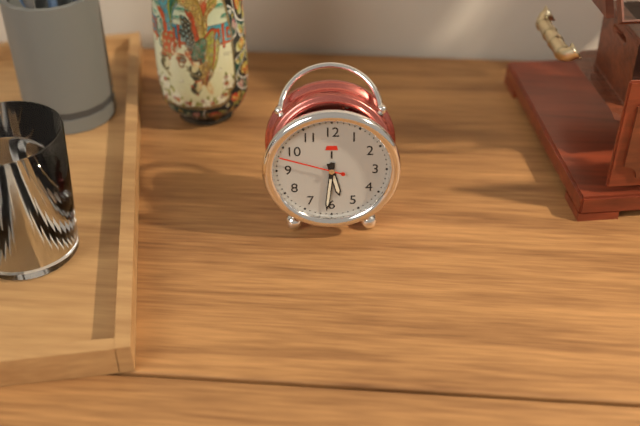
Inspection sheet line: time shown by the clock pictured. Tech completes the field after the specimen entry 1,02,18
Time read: 5,31,48
